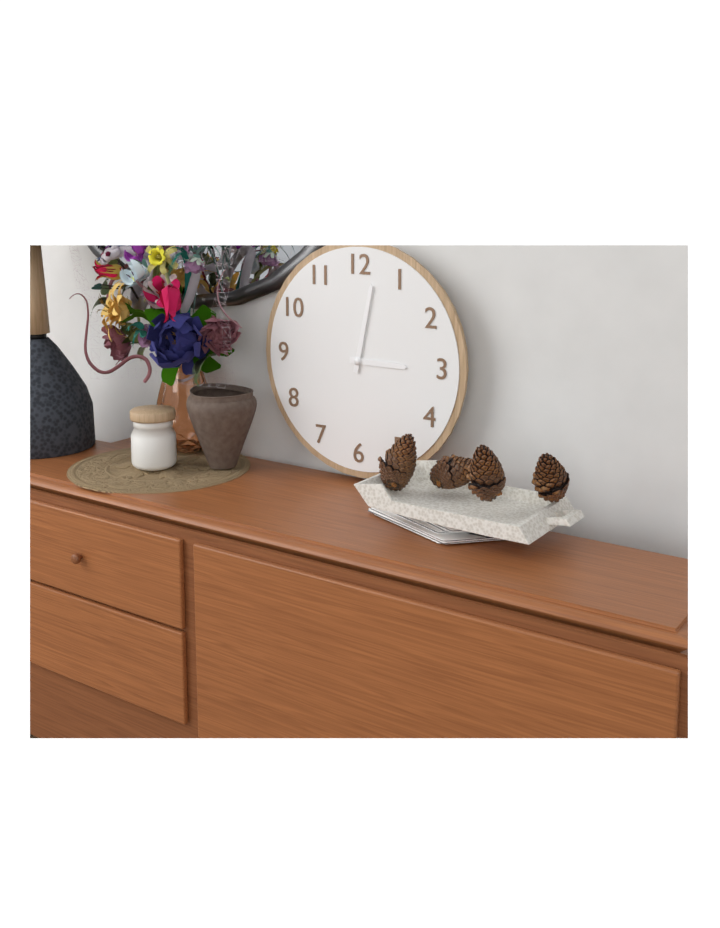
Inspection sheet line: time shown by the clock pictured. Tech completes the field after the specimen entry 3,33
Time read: 3,02
